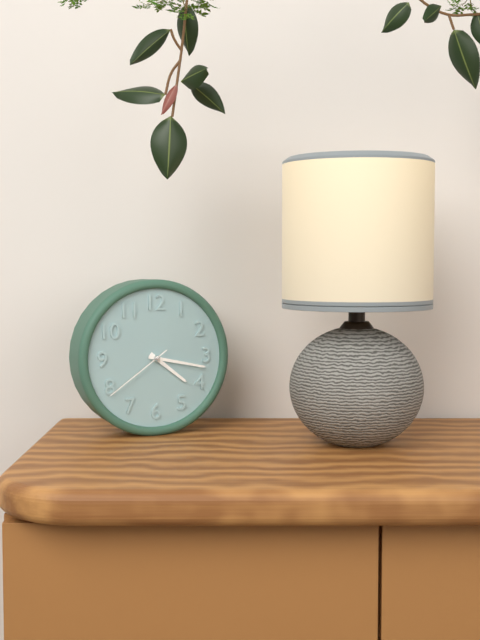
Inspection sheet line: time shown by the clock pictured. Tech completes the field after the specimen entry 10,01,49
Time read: 4,17,39
